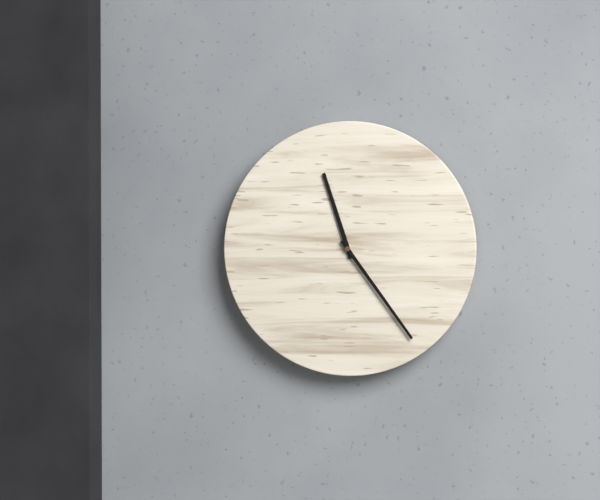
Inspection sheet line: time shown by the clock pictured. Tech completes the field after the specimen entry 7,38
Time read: 11,24
